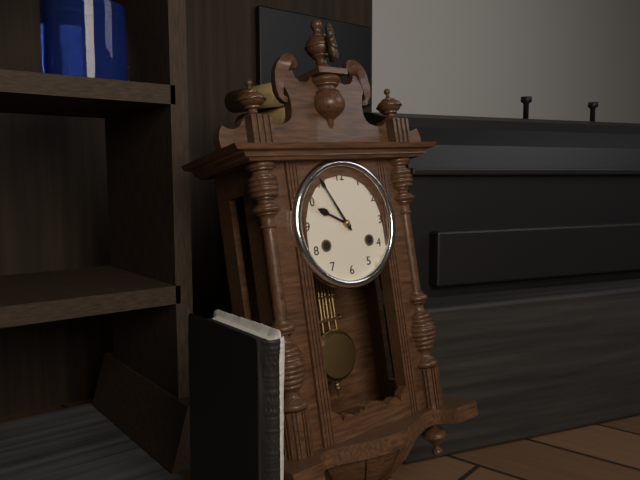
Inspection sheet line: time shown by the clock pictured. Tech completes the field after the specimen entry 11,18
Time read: 9,55
